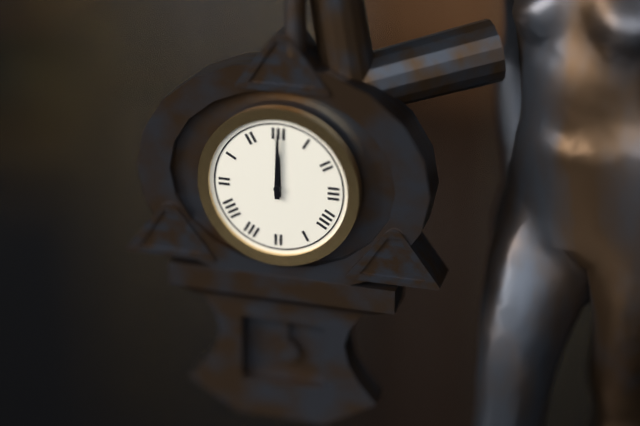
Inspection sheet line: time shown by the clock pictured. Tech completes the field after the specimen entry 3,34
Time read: 12,00
